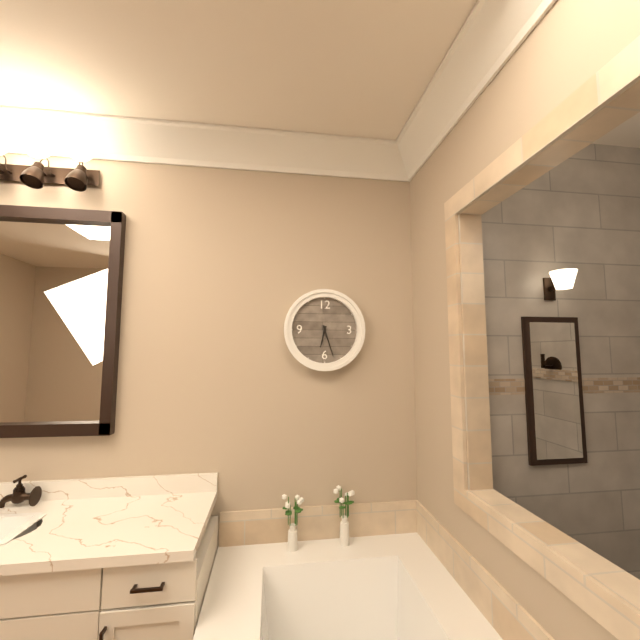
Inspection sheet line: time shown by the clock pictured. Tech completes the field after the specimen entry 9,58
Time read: 6,27
